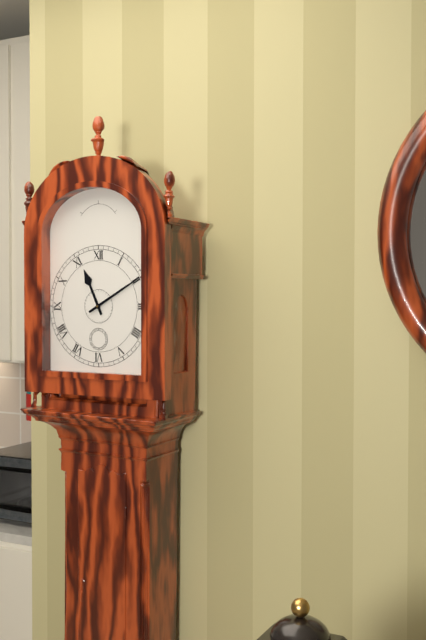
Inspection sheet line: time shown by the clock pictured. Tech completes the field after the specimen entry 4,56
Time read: 11,10
